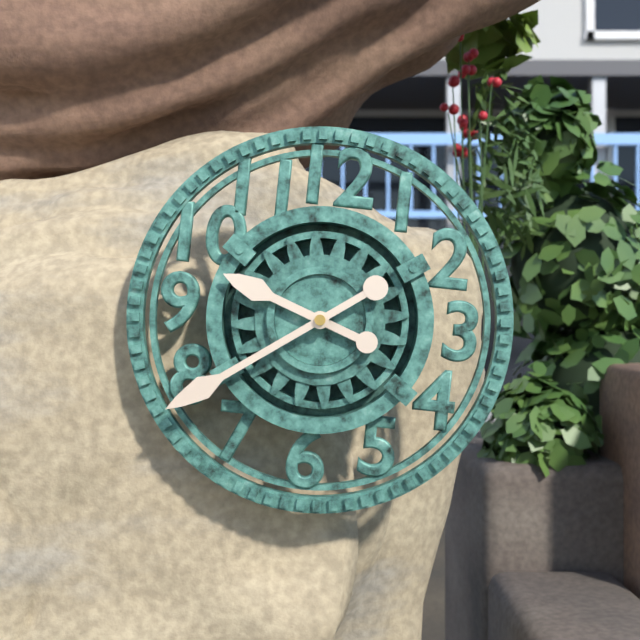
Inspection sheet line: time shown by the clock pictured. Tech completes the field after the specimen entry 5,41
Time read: 9,39
